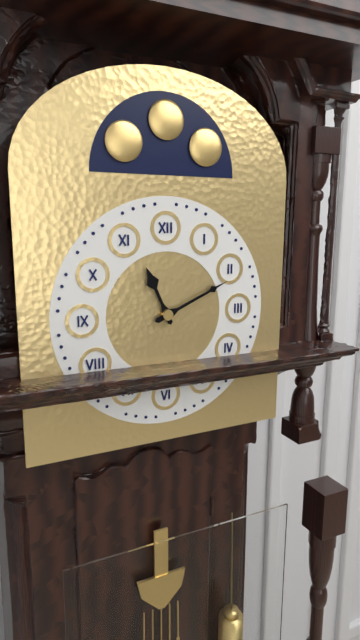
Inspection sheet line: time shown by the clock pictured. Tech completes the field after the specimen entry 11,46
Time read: 11,11
